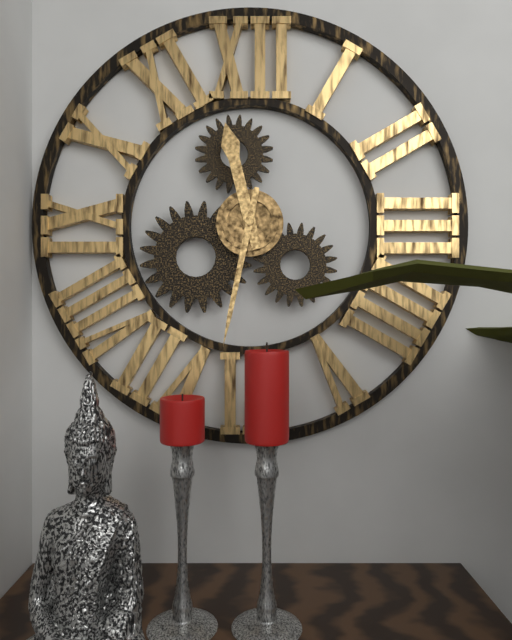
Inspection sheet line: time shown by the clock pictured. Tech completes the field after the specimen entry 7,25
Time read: 11,32
